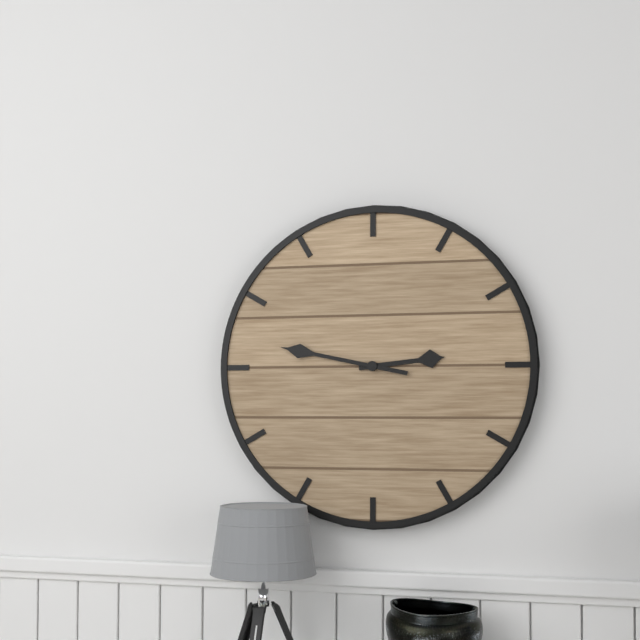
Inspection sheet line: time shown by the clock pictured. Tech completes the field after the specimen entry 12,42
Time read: 2,47
